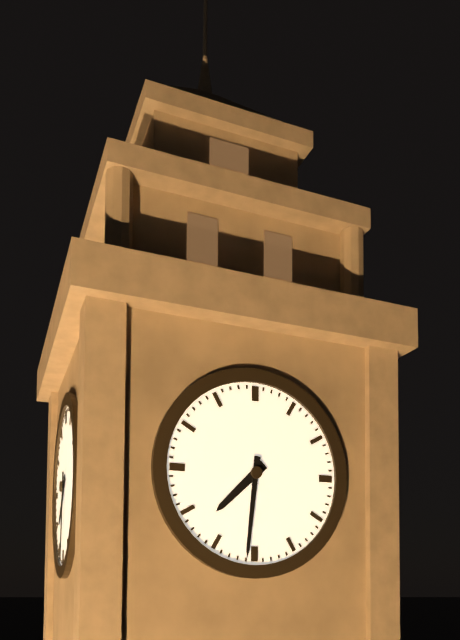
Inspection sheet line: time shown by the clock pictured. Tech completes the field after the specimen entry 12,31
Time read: 7,31
